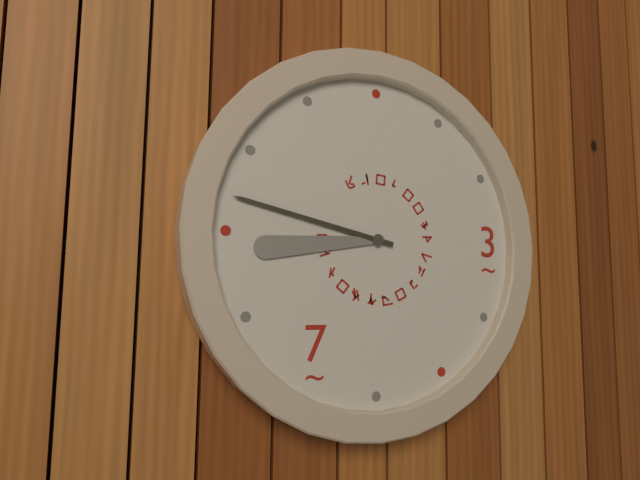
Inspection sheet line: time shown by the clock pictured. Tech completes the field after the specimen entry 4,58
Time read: 8,47
